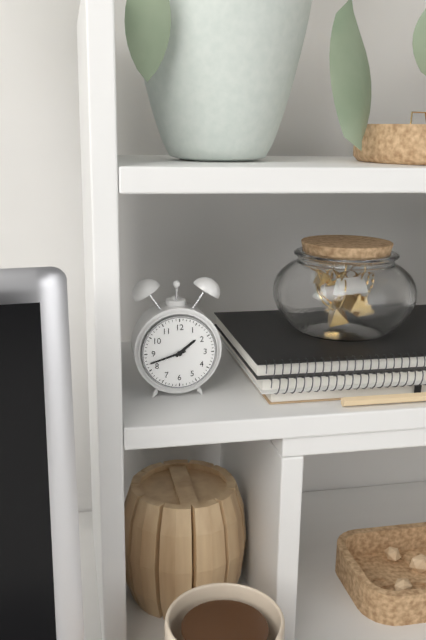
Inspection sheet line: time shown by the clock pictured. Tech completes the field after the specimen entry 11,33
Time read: 1,42
